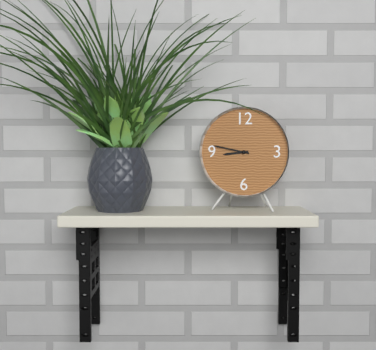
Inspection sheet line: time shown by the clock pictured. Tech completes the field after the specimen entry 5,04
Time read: 8,47
